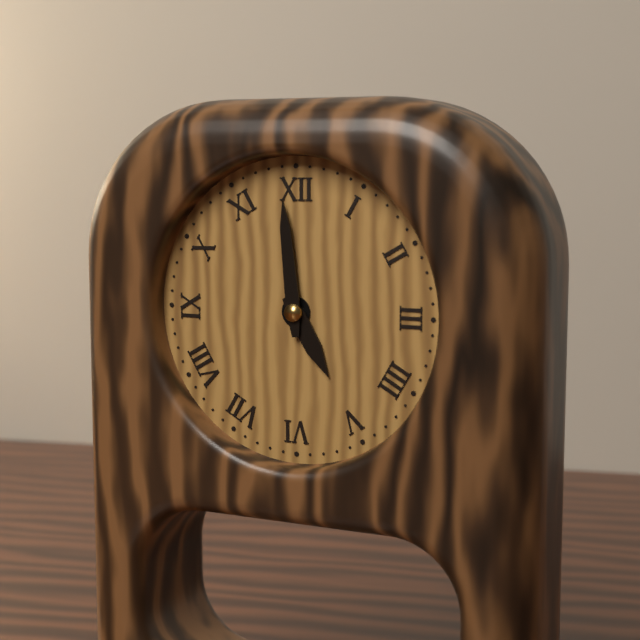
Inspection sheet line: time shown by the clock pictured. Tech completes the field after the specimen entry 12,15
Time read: 4,59
